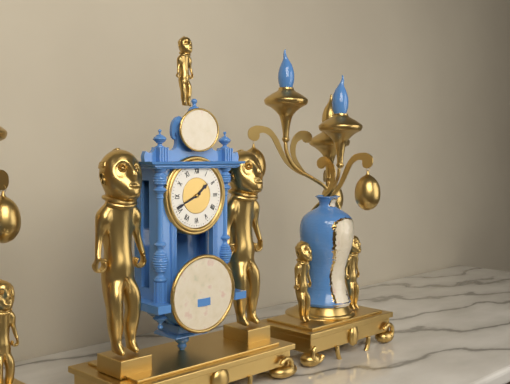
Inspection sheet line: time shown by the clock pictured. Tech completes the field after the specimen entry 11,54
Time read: 1,41
